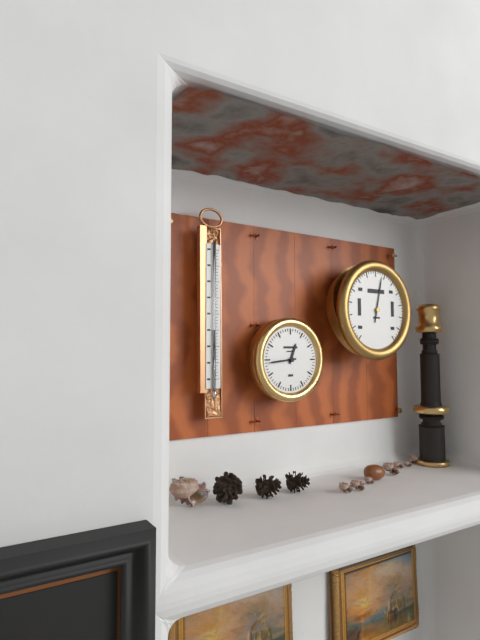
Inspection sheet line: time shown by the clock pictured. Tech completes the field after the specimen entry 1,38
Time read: 12,44
